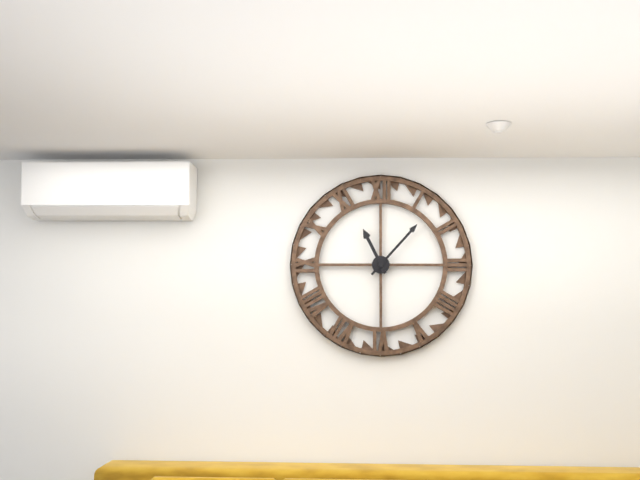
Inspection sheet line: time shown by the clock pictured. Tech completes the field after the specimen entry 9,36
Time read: 11,07
